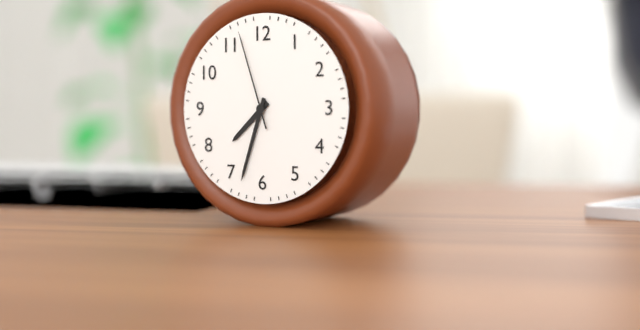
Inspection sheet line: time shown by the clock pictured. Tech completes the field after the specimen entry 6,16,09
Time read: 7,33,57
